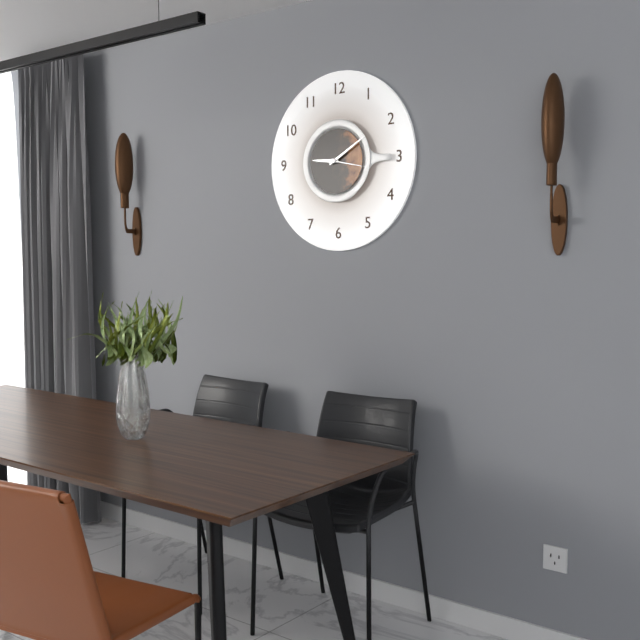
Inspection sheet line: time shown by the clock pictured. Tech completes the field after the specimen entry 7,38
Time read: 9,10
